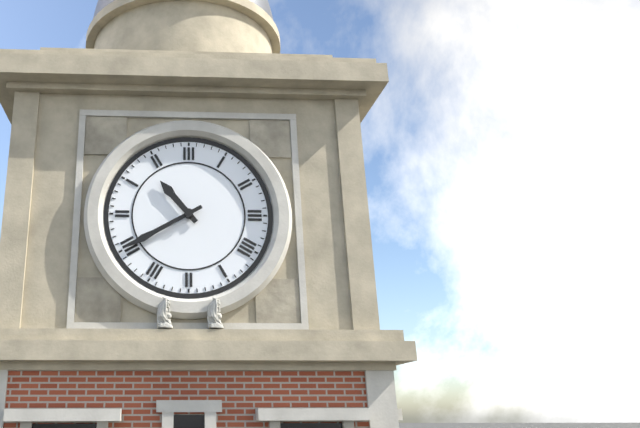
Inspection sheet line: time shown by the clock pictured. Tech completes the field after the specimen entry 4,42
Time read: 10,40
